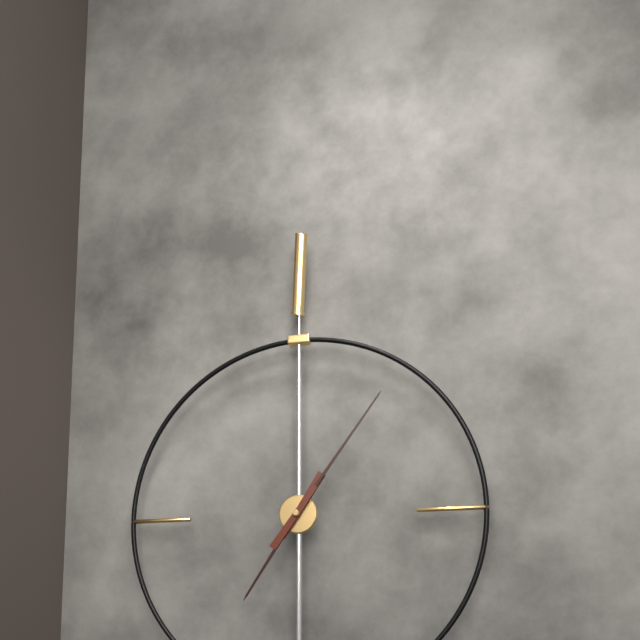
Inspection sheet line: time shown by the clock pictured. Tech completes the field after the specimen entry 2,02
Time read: 7,06
